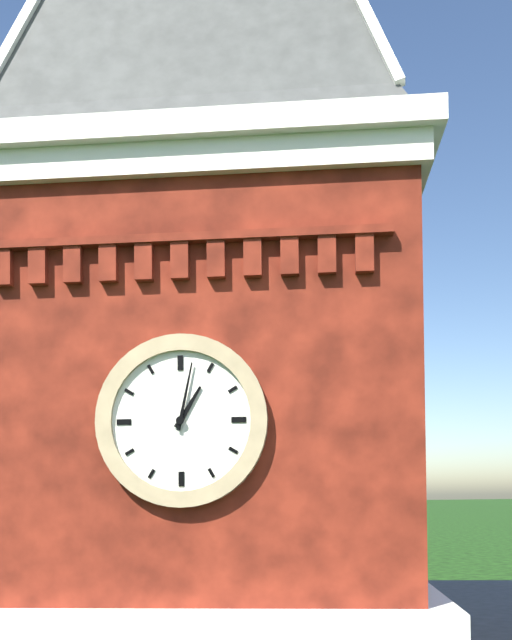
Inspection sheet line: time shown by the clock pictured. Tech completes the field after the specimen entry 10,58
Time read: 1,02
